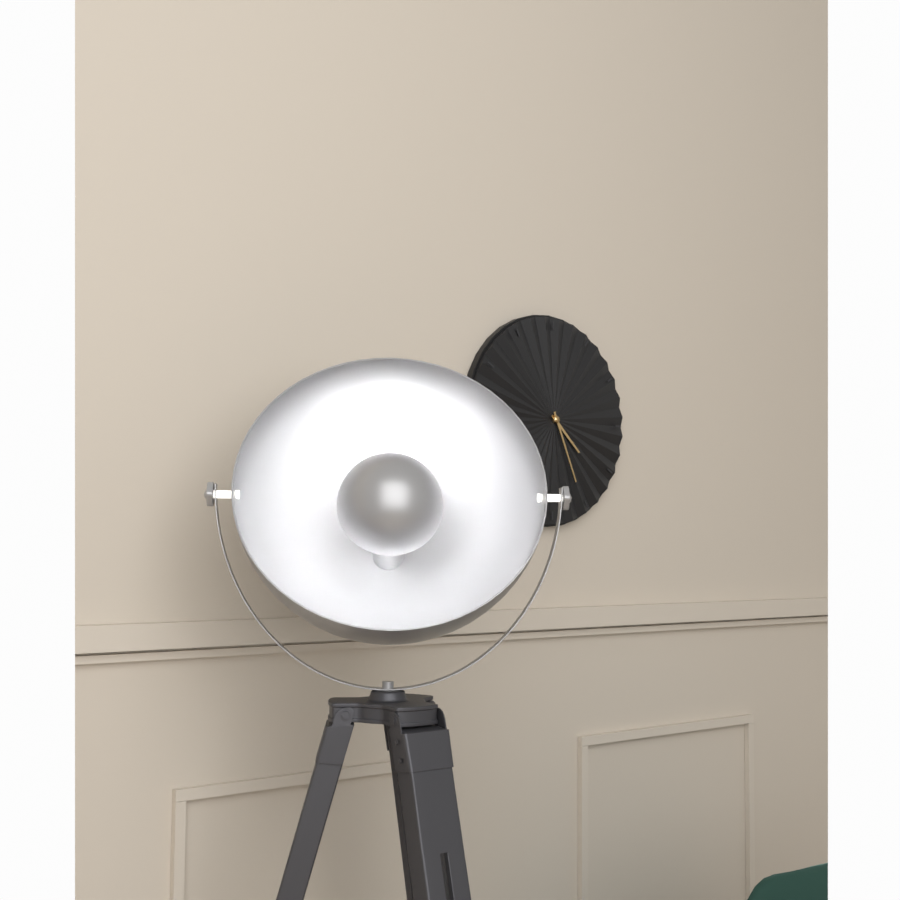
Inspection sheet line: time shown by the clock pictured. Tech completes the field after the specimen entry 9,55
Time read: 4,26
